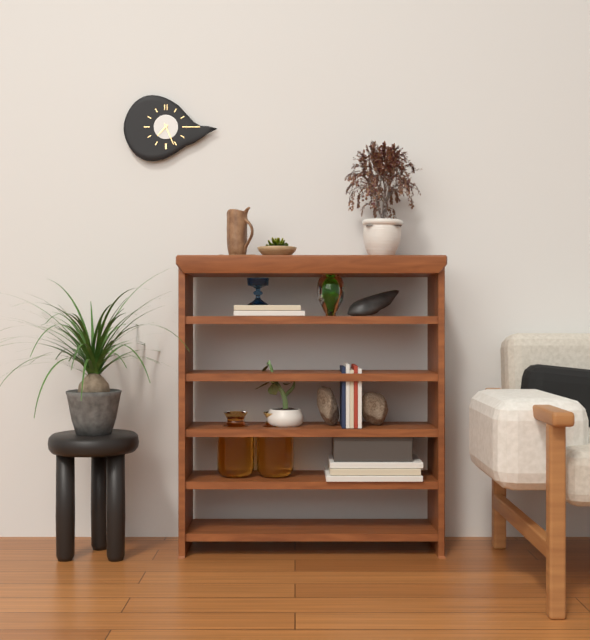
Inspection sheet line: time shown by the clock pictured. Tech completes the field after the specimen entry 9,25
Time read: 7,26
